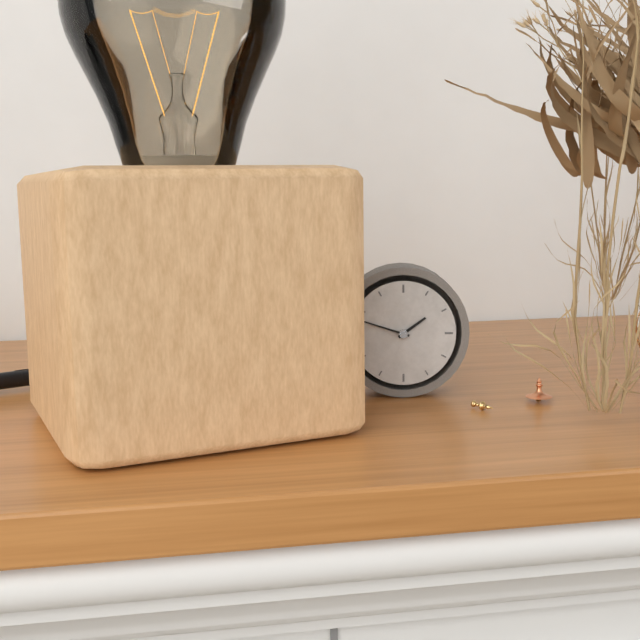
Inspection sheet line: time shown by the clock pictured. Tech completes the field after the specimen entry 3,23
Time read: 1,48
